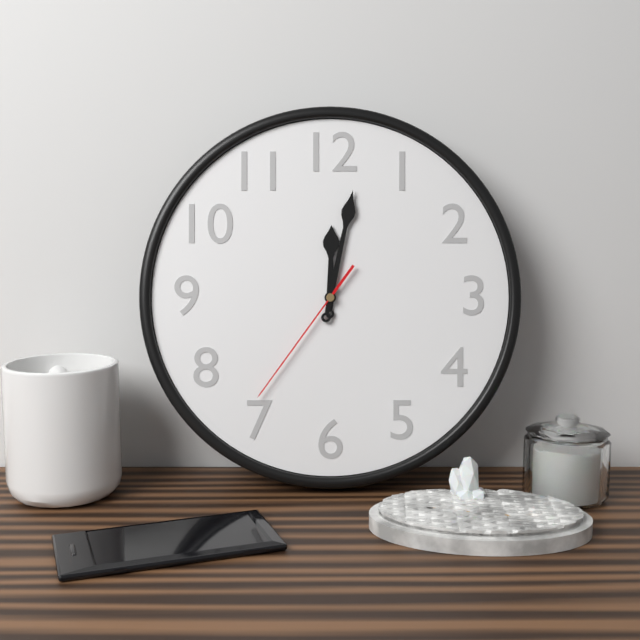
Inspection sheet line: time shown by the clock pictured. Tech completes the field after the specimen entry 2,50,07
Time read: 12,02,36
